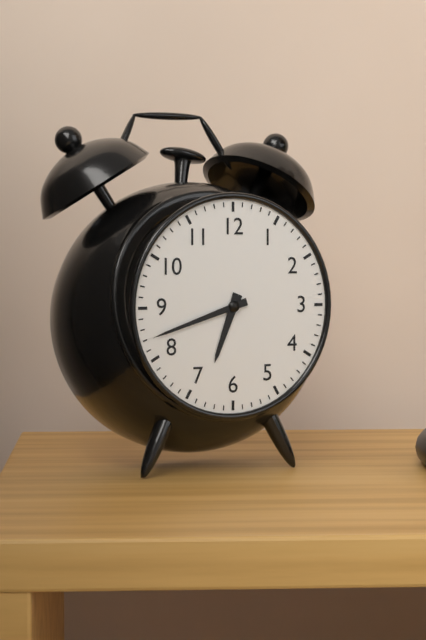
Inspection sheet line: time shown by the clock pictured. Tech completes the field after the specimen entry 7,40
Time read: 6,42
